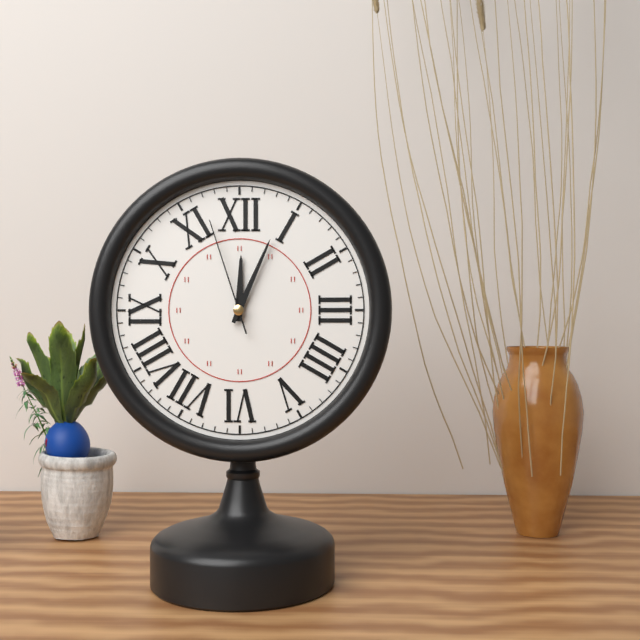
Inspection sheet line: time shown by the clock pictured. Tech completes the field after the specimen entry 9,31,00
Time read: 12,04,57
